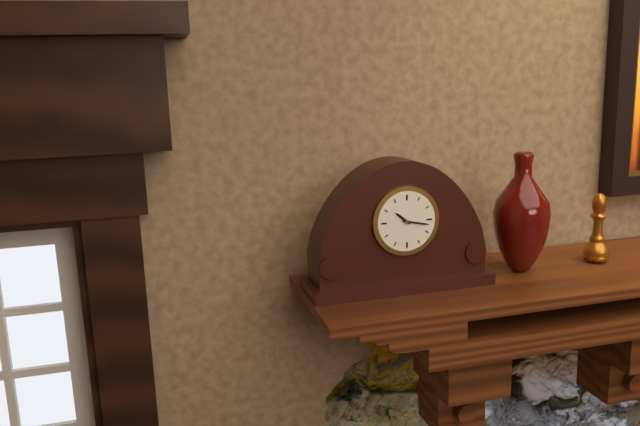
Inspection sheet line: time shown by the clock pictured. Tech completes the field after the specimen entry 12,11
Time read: 10,17
